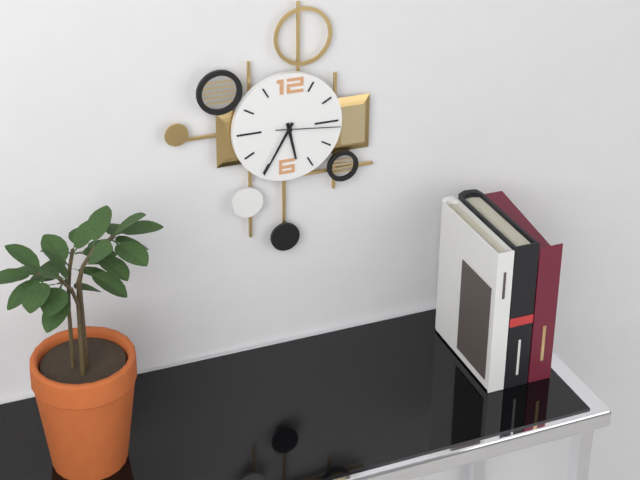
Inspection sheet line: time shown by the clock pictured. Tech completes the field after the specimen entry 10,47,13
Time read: 5,35,16
